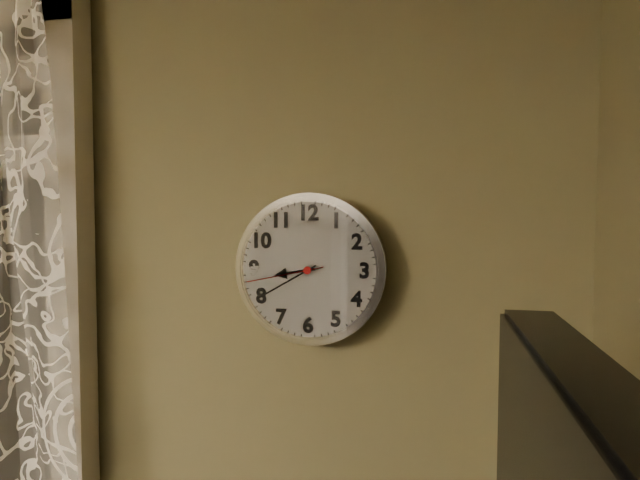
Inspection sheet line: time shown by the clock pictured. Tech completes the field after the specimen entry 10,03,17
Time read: 8,40,43
